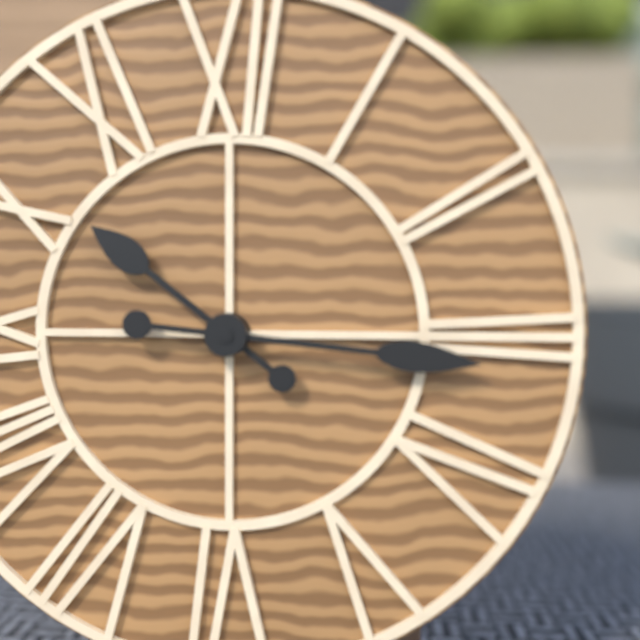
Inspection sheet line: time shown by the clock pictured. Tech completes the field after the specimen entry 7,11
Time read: 10,16
